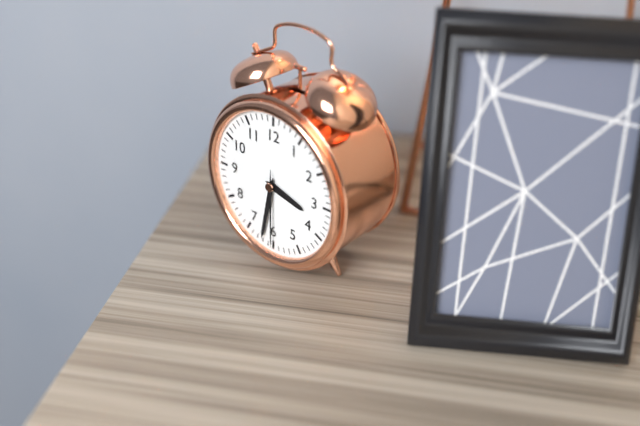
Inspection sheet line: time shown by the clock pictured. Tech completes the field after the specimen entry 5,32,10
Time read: 3,32,30
